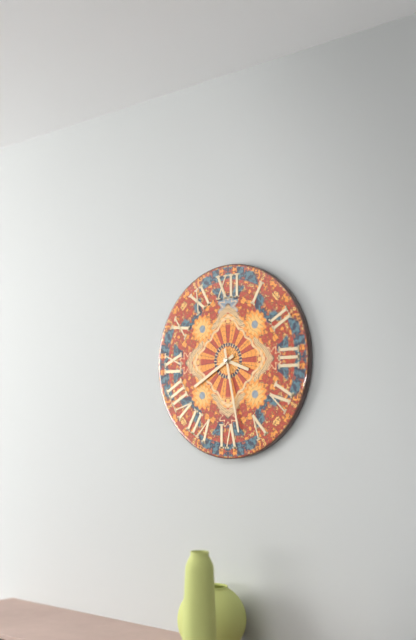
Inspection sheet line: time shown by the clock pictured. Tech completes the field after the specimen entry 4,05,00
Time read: 3,40,28
